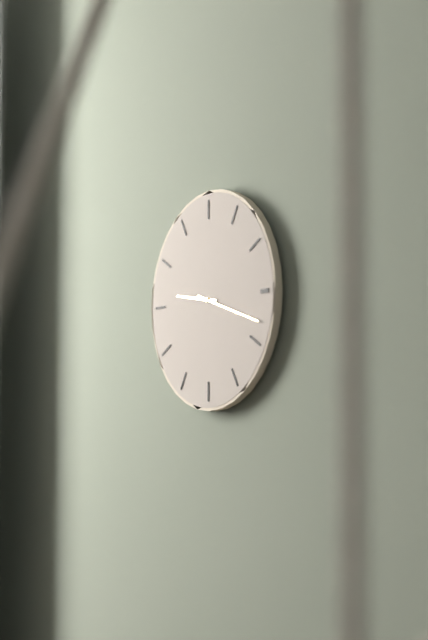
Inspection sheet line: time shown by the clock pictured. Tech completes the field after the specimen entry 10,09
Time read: 9,18
